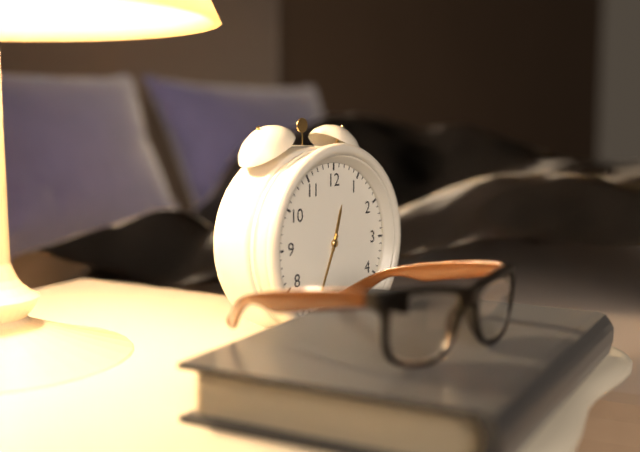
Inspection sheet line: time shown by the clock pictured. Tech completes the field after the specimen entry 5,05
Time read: 12,34
